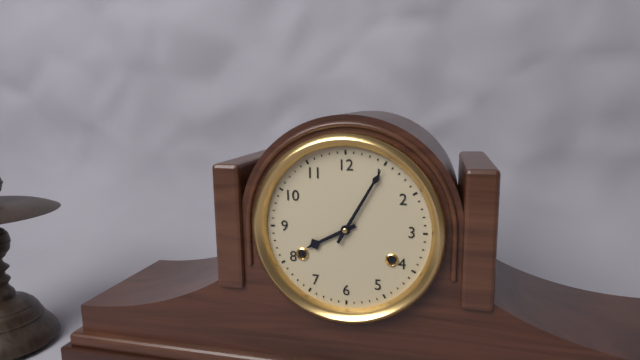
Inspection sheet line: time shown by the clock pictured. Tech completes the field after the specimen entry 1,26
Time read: 8,05
